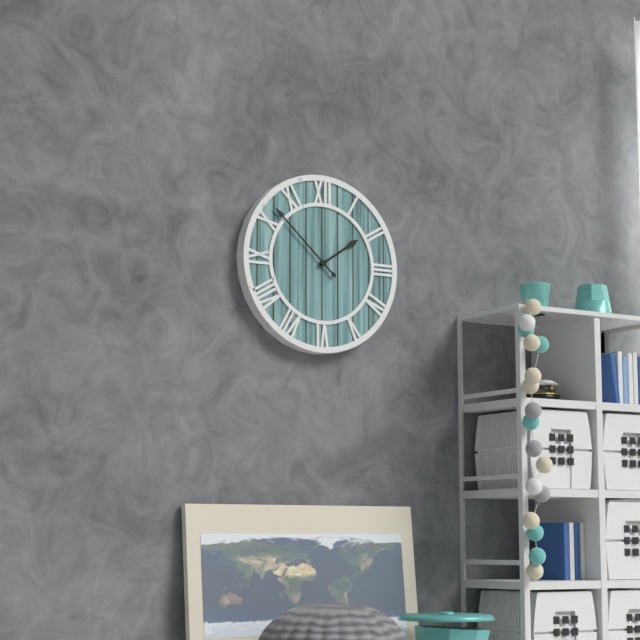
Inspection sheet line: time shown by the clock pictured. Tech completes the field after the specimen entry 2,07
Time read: 1,52
